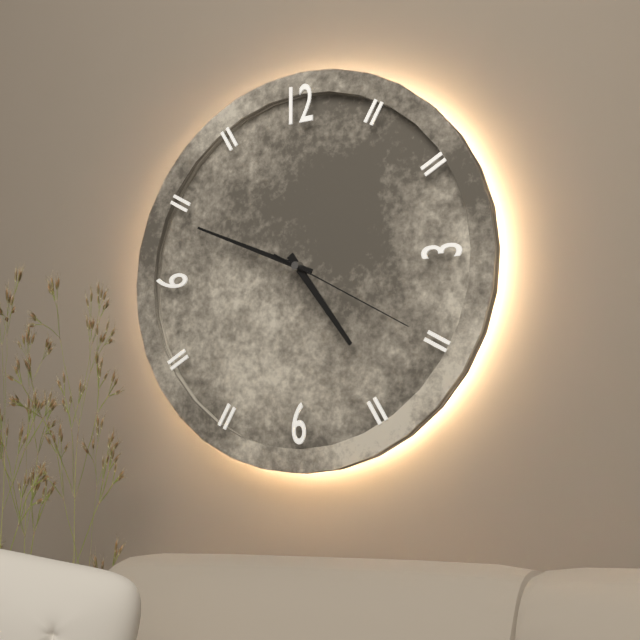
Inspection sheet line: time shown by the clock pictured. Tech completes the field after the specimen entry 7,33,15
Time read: 4,49,20
